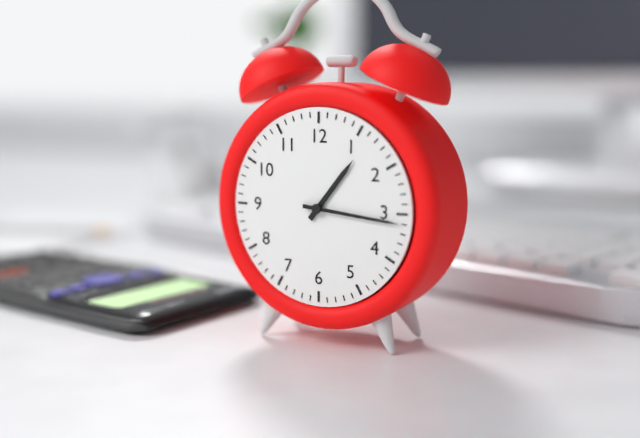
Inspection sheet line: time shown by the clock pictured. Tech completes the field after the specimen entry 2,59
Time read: 1,16
